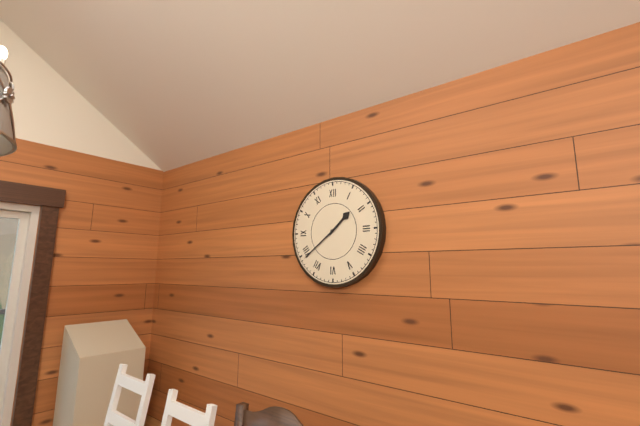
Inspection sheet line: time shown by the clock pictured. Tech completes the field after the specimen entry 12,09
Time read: 1,39
